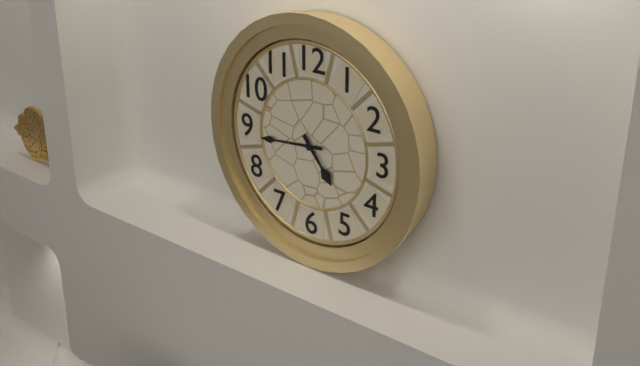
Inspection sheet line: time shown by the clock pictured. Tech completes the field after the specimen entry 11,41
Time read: 4,44
